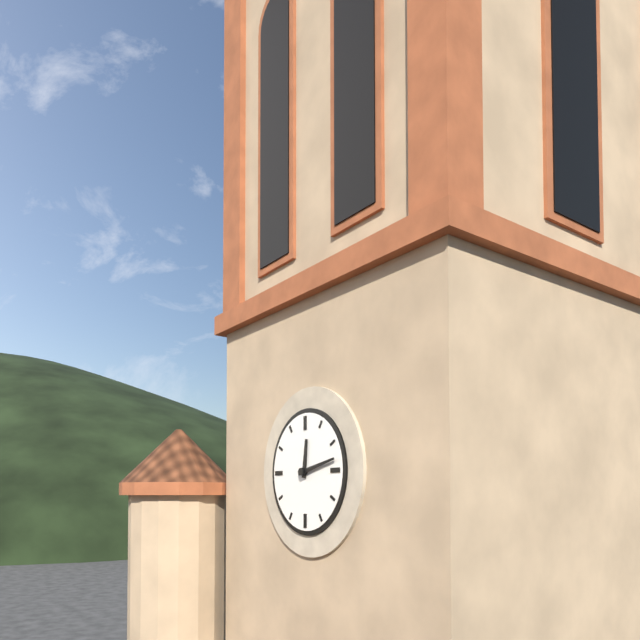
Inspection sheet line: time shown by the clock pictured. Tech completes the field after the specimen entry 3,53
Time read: 12,13
